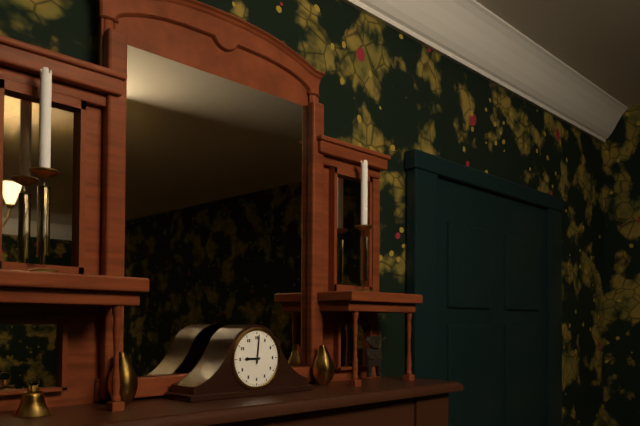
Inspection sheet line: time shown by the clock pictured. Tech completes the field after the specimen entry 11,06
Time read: 9,01
